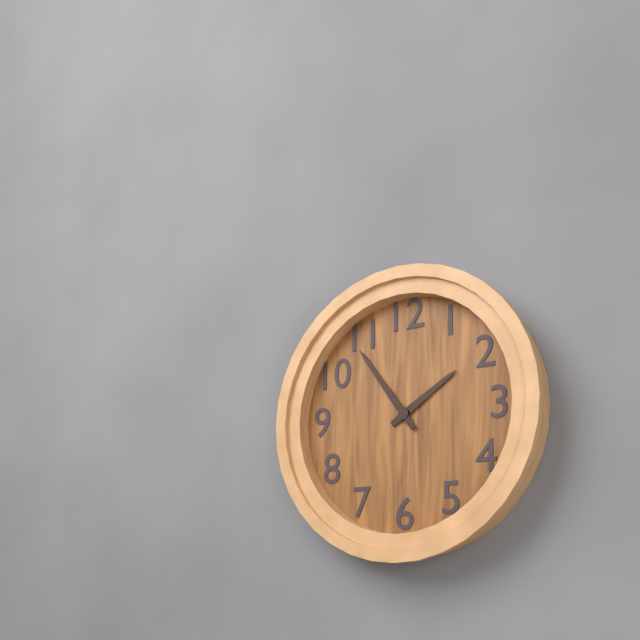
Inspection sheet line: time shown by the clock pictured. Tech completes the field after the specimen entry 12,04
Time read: 1,54
